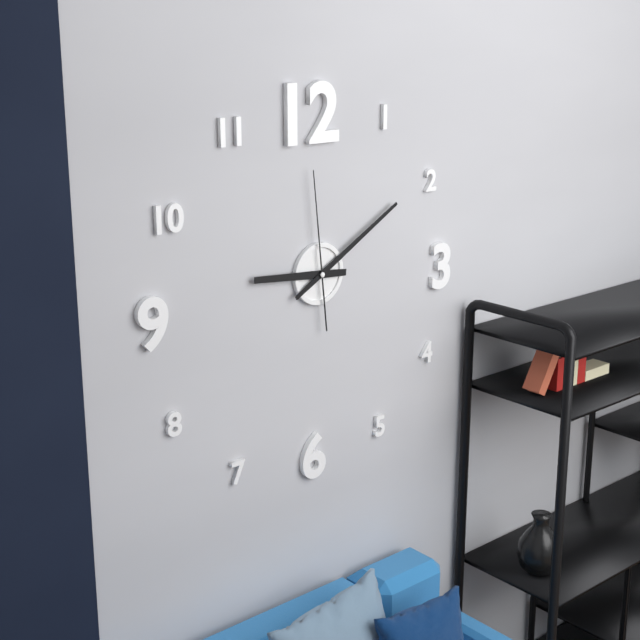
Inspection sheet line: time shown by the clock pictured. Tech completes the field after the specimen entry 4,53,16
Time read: 9,10,59
